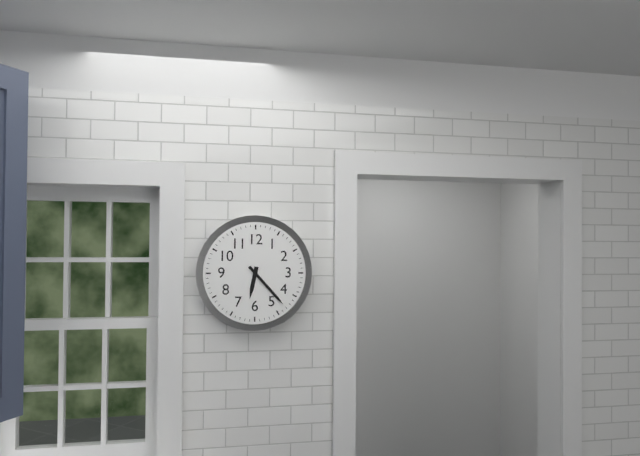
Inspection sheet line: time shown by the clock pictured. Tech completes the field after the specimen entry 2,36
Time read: 6,23
